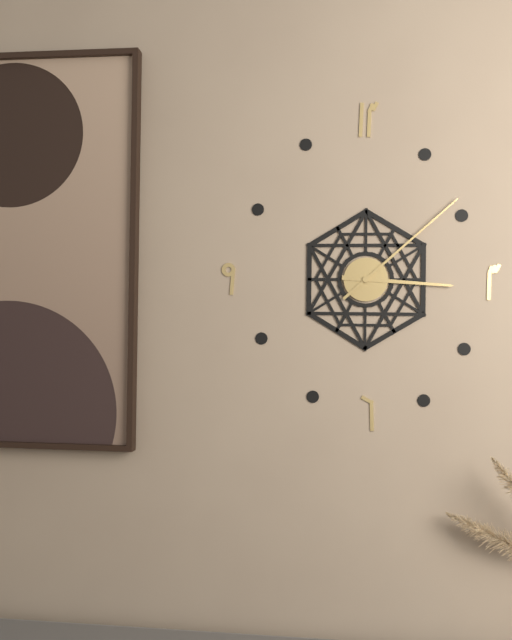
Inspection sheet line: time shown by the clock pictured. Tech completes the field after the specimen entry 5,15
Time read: 3,08
